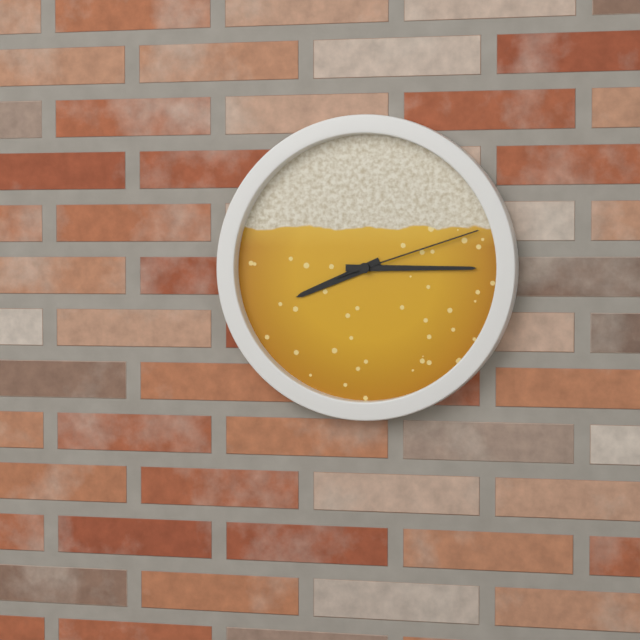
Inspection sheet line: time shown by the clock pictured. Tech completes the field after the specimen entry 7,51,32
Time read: 8,15,12
